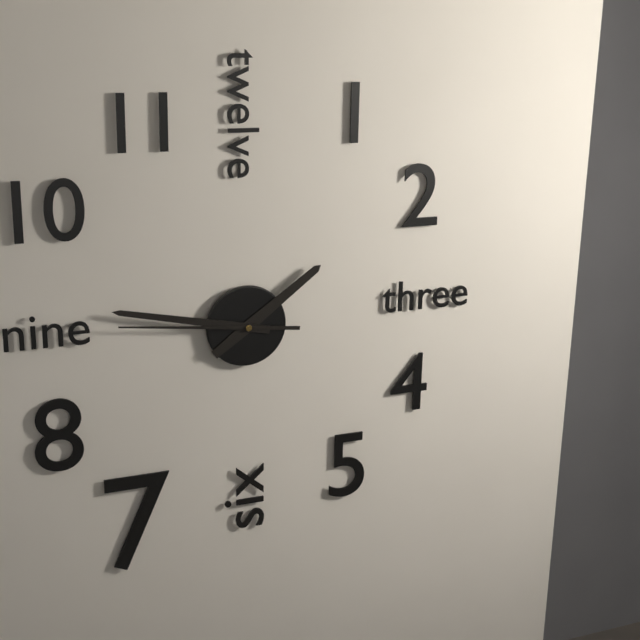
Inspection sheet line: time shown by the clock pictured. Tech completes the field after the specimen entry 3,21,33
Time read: 1,47,46
